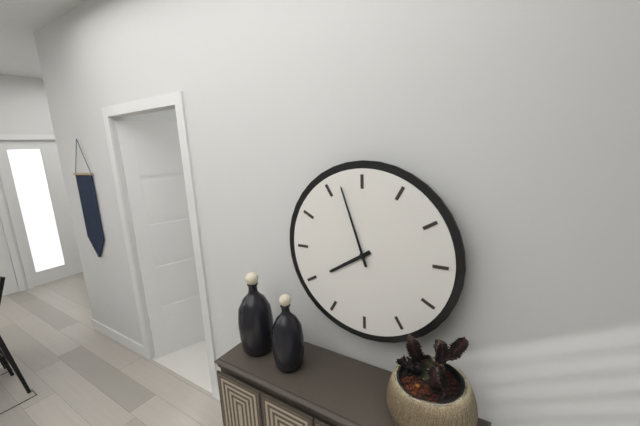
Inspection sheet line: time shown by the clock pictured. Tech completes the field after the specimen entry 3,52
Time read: 7,57
